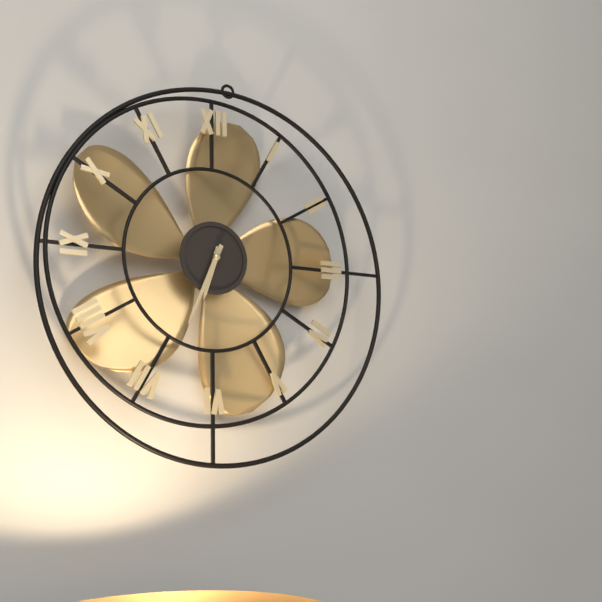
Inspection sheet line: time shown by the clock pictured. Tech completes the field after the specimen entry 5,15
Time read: 6,34
